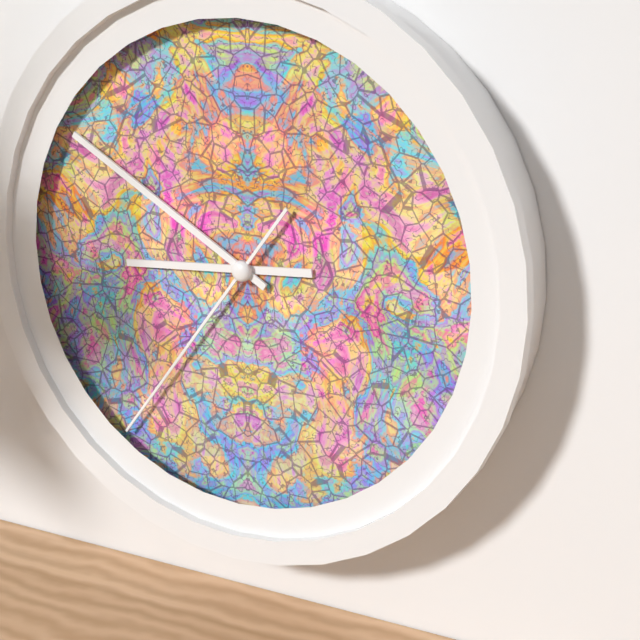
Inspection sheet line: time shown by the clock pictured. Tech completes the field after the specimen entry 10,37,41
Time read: 8,50,36
